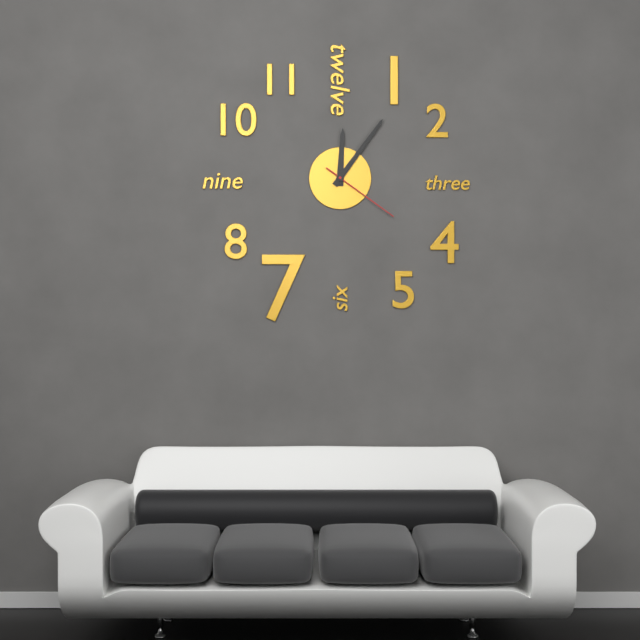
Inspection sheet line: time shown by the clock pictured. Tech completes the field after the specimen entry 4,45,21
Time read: 12,06,21
